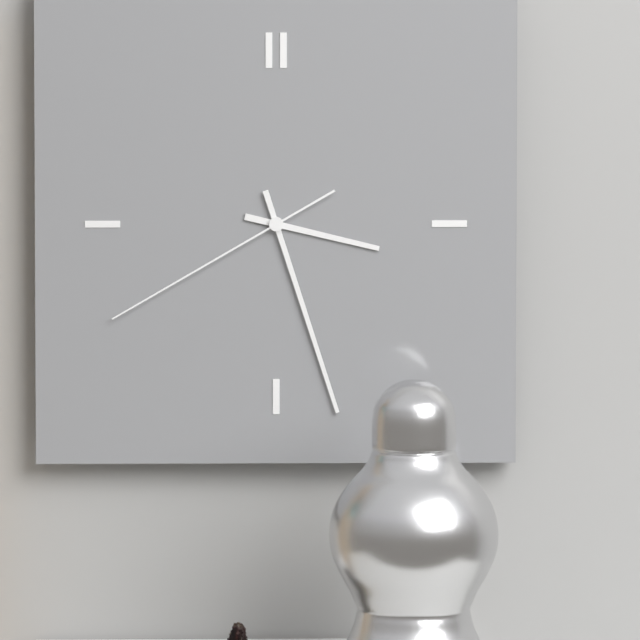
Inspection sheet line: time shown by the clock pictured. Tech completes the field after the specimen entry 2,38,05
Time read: 3,27,40
